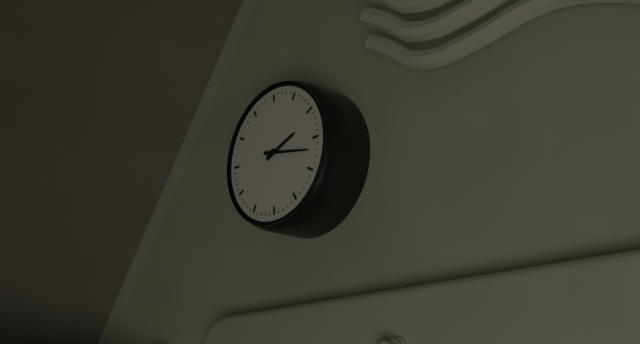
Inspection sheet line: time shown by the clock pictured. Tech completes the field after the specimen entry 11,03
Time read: 2,17
